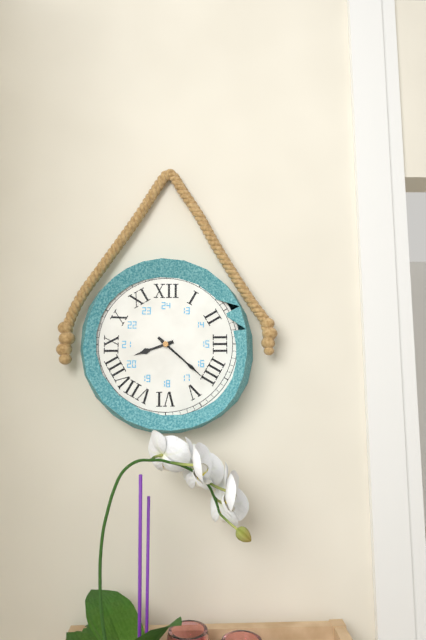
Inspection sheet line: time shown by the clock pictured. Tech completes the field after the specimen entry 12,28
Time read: 8,22
